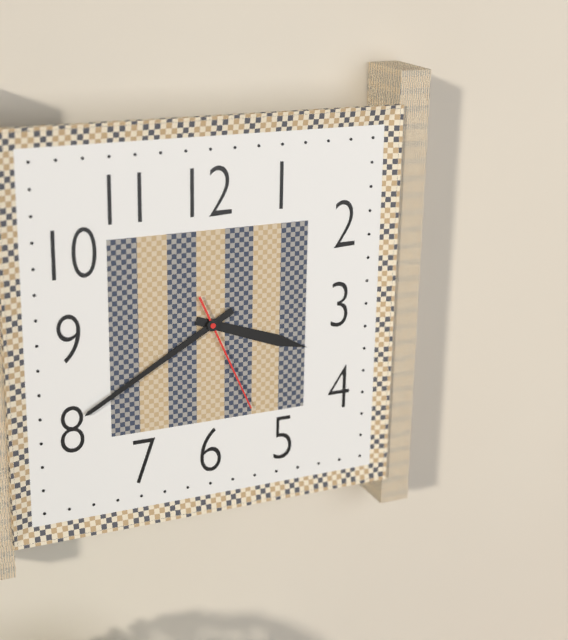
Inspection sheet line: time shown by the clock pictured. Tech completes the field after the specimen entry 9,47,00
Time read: 3,40,26
